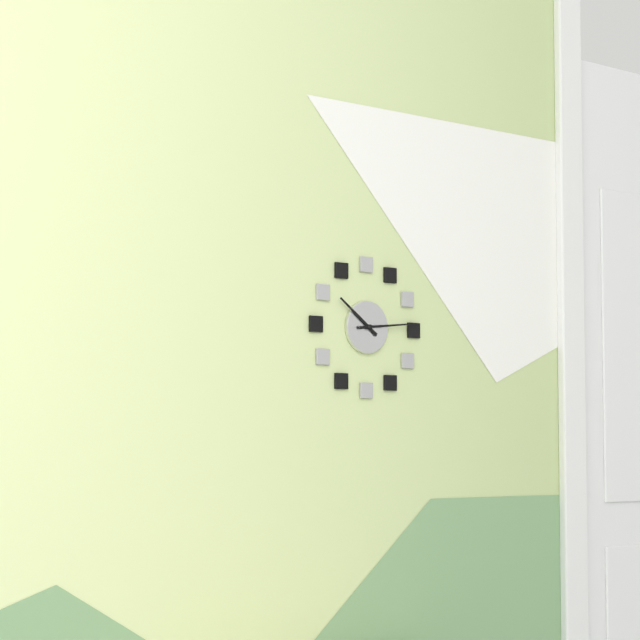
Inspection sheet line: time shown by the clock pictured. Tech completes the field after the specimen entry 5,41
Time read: 10,14
